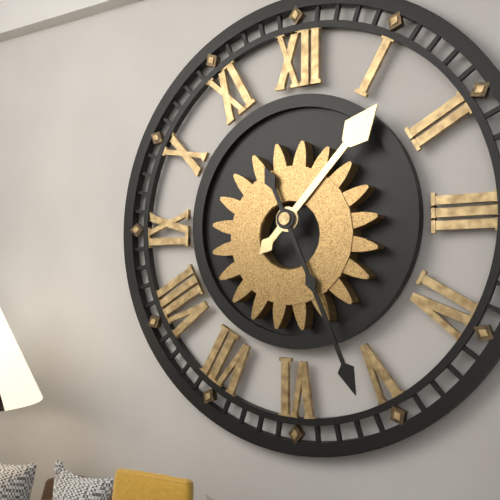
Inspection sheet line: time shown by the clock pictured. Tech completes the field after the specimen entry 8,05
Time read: 1,26
